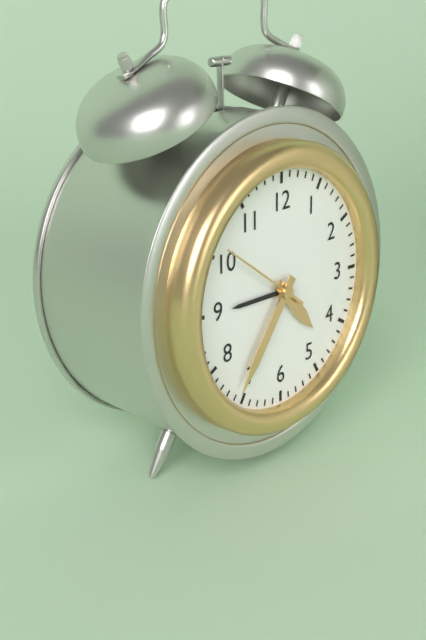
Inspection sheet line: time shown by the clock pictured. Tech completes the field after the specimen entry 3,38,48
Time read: 4,36,51
